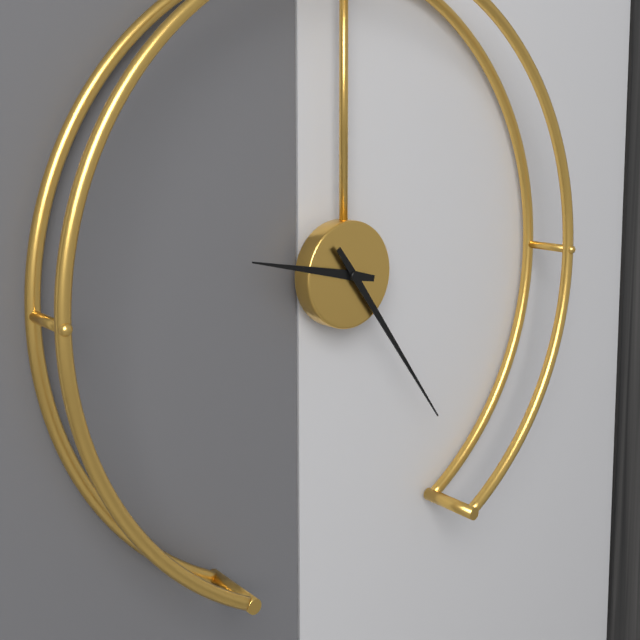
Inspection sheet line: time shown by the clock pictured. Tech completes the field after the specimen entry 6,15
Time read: 9,24
